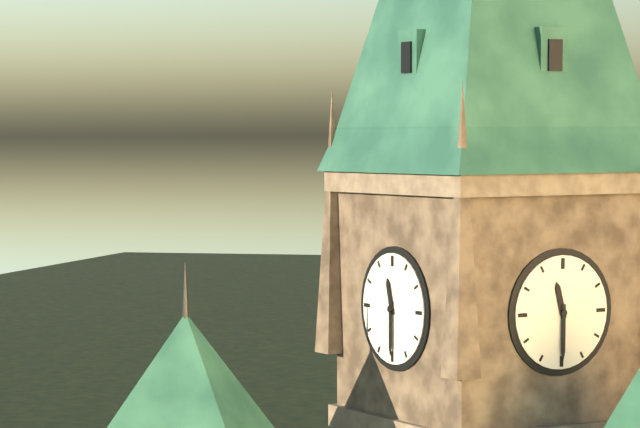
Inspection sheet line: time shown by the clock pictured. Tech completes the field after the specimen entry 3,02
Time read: 11,30
